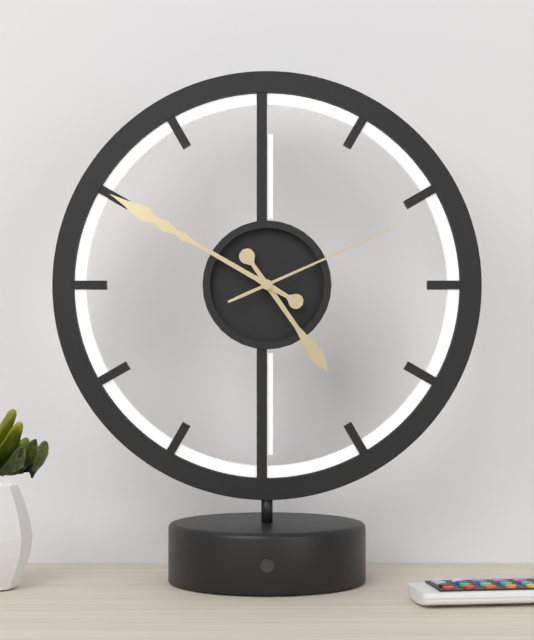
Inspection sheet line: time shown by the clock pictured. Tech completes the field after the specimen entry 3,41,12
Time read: 4,50,11
